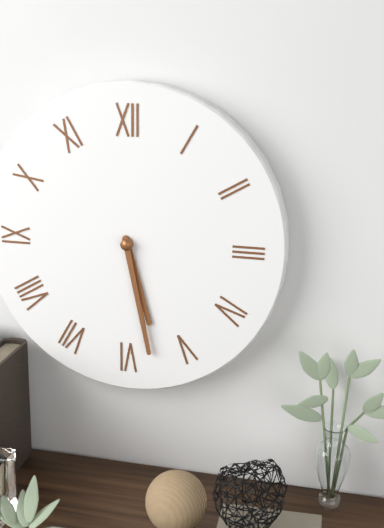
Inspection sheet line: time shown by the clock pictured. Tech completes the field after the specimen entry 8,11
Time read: 5,28
